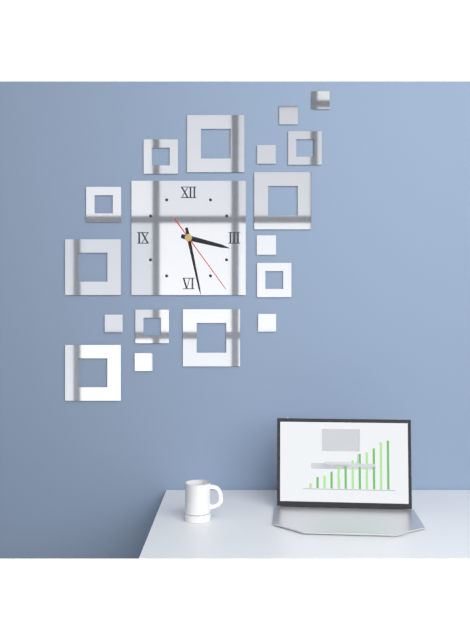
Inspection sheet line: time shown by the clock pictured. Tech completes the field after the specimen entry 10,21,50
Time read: 3,28,24
